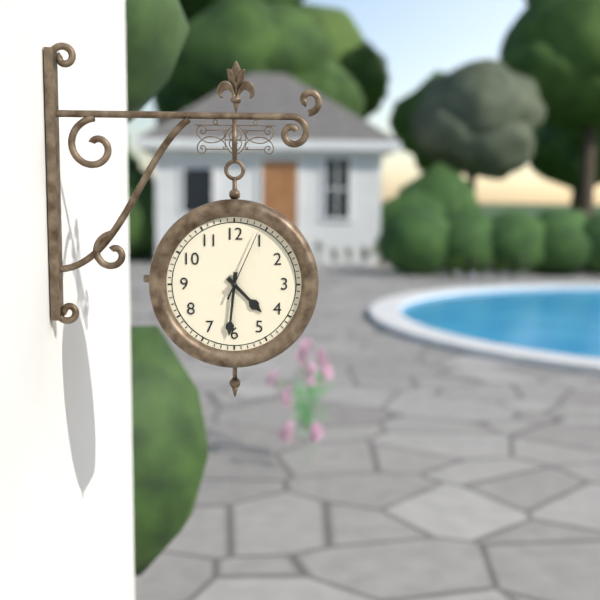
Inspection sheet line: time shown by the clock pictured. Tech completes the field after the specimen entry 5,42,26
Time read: 4,31,04
